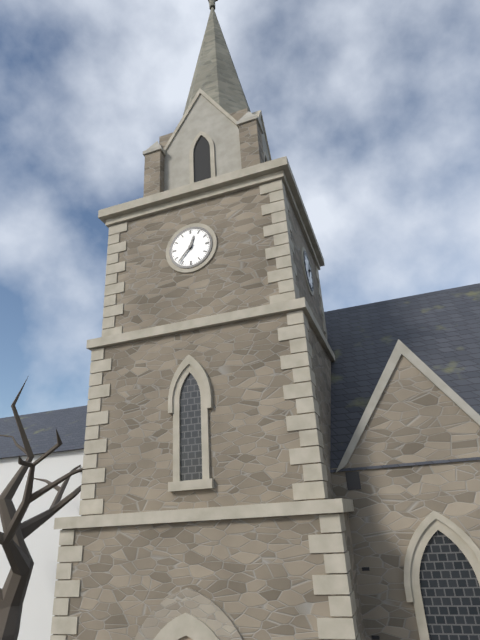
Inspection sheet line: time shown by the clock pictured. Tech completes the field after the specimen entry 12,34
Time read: 12,37
